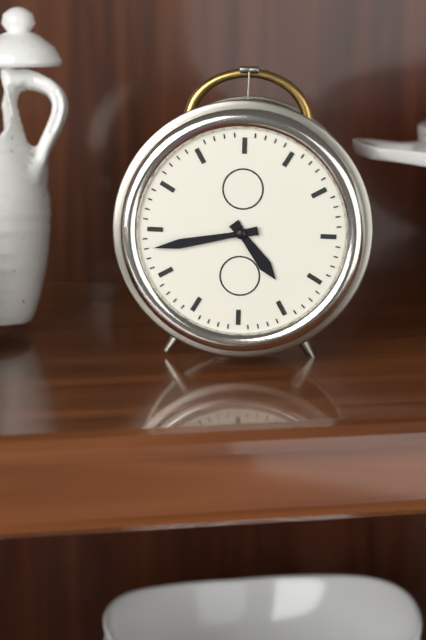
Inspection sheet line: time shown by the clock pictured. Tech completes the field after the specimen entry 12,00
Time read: 4,43
